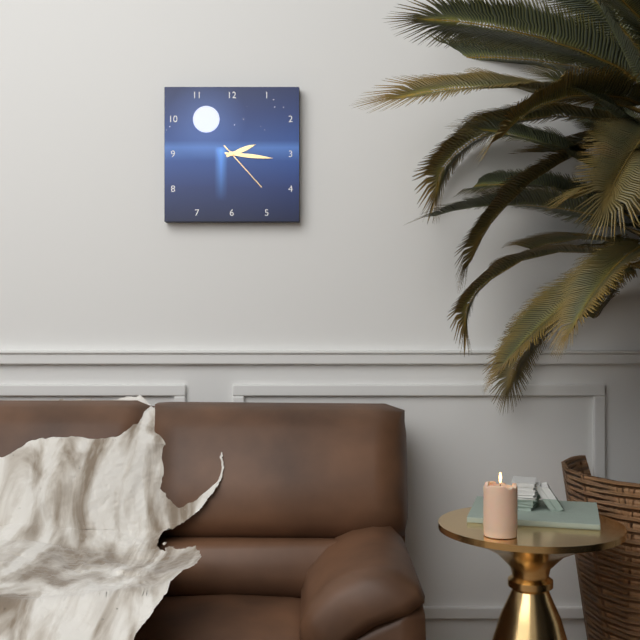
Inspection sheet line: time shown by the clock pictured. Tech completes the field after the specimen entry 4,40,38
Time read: 2,16,23
